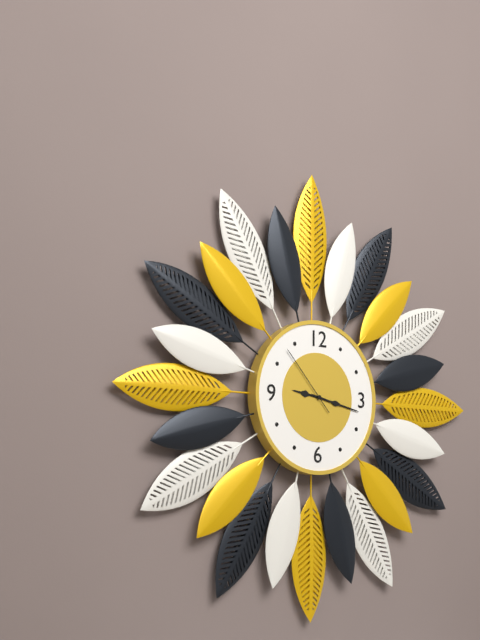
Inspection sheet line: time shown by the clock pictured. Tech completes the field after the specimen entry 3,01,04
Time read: 9,17,53
